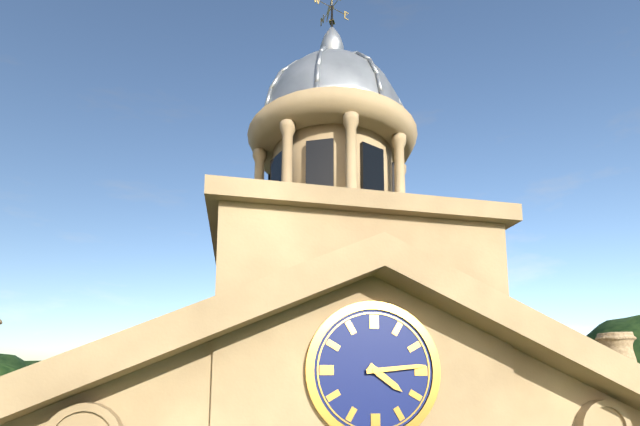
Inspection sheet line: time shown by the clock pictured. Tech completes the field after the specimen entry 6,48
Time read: 4,14
